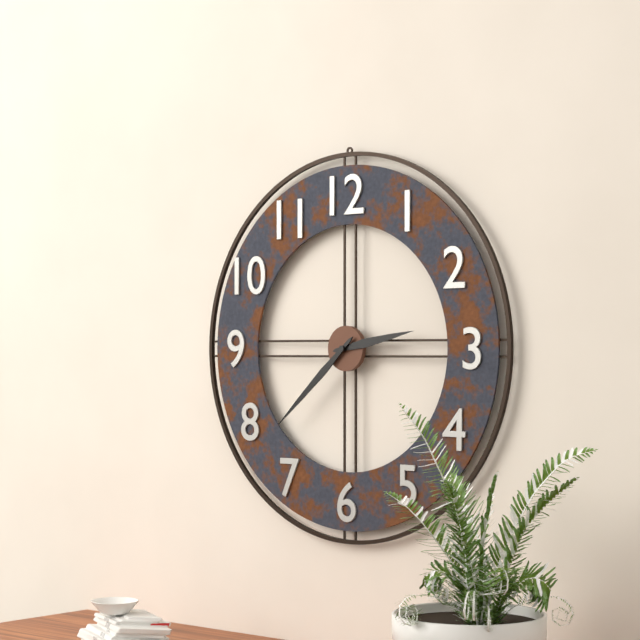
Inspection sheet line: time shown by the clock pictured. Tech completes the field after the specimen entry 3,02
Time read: 2,38
